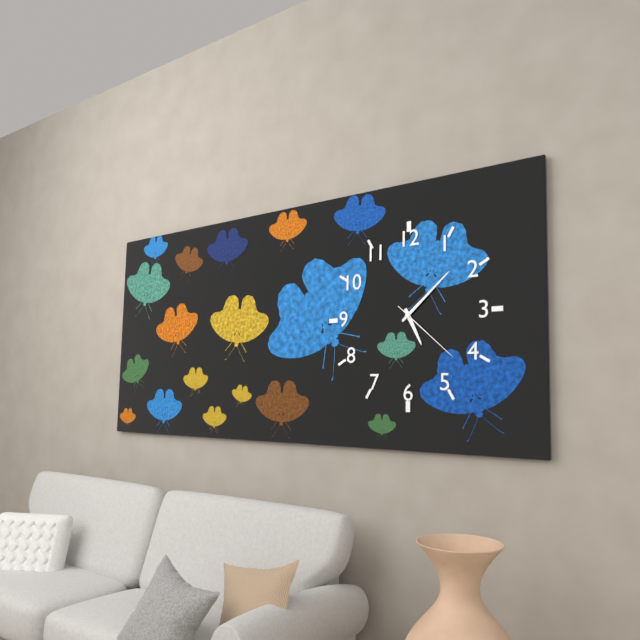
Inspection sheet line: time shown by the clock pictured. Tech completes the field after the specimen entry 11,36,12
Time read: 5,08,22
